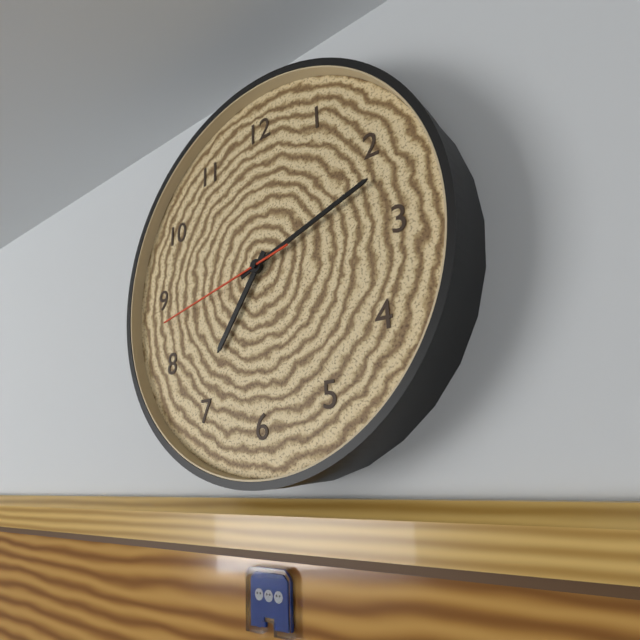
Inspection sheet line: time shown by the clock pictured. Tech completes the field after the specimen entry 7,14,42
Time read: 7,12,43
